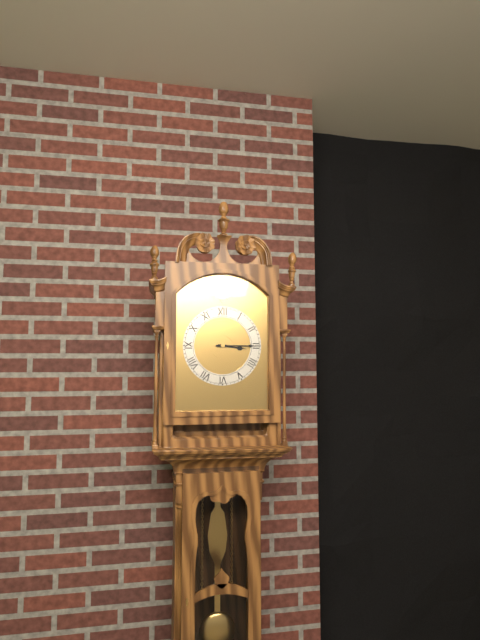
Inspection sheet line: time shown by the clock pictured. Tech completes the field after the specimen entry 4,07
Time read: 3,15
